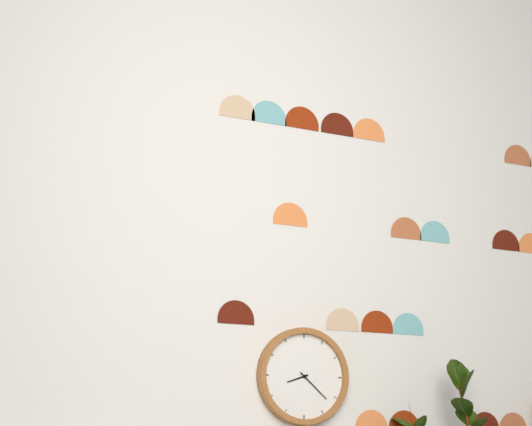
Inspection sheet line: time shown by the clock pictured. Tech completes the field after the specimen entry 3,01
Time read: 8,22
